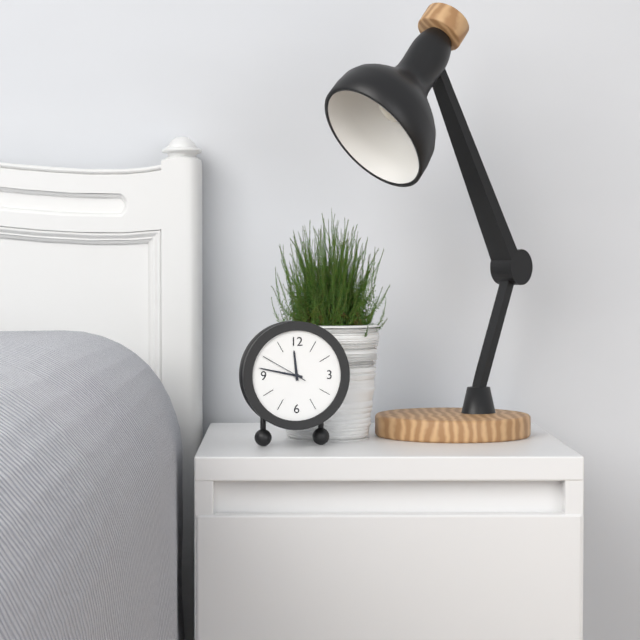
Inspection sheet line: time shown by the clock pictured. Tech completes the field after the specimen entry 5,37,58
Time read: 11,47,50
